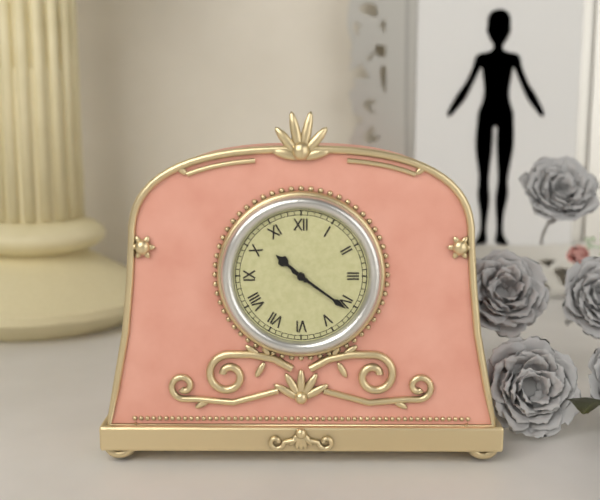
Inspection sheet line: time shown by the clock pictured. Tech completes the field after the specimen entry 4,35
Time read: 10,21
